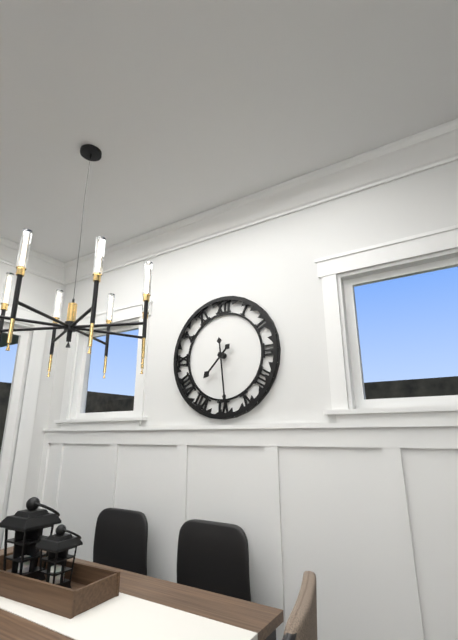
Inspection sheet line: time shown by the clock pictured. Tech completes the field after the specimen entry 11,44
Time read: 7,29
